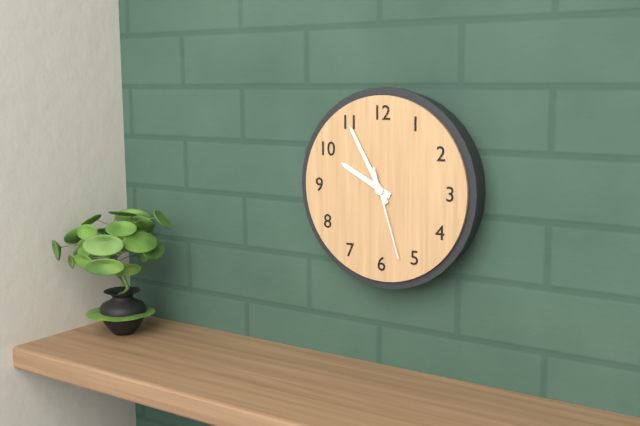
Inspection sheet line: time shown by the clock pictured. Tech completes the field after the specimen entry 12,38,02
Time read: 9,55,27
